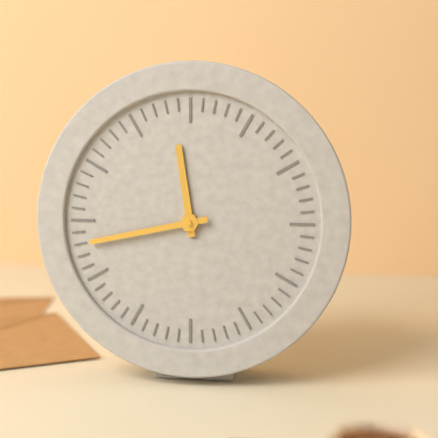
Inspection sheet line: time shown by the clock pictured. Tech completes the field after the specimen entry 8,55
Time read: 11,43
